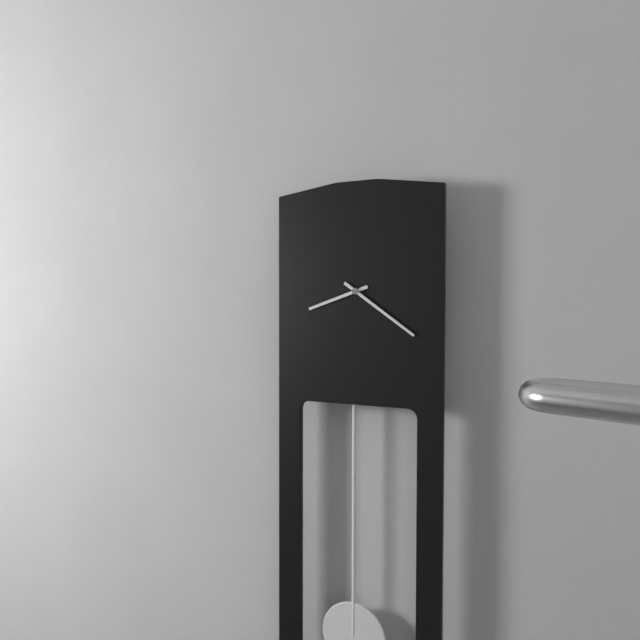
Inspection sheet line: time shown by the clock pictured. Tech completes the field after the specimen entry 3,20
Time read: 8,21
